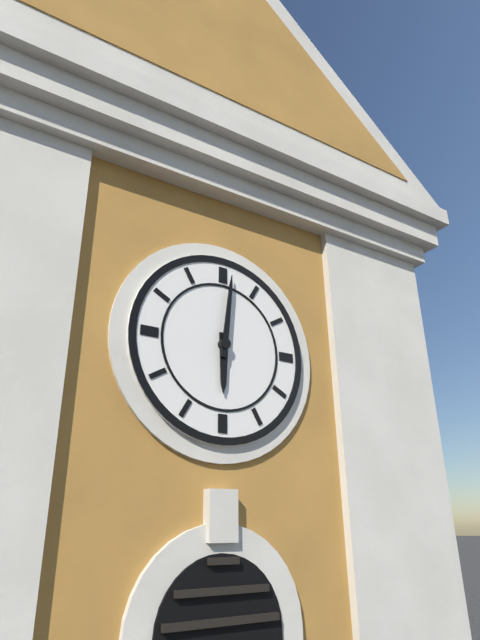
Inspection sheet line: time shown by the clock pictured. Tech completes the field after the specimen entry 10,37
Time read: 6,01
